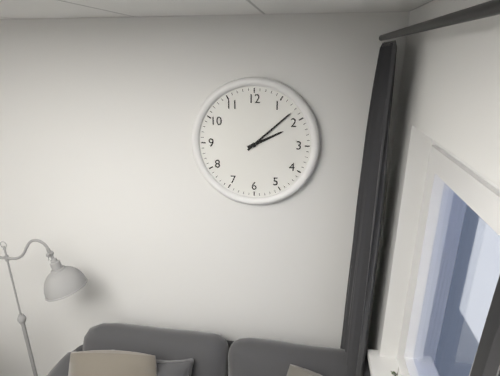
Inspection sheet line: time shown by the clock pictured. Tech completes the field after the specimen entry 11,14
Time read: 2,08
